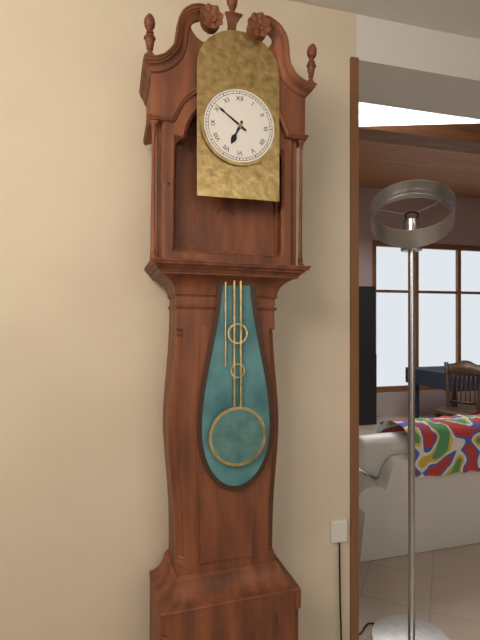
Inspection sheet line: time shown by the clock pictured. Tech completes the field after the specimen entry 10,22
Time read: 6,51
